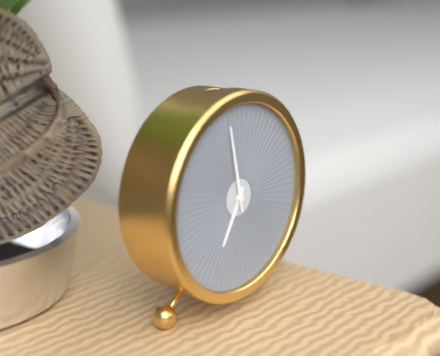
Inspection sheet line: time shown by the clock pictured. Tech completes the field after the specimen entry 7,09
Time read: 6,58
